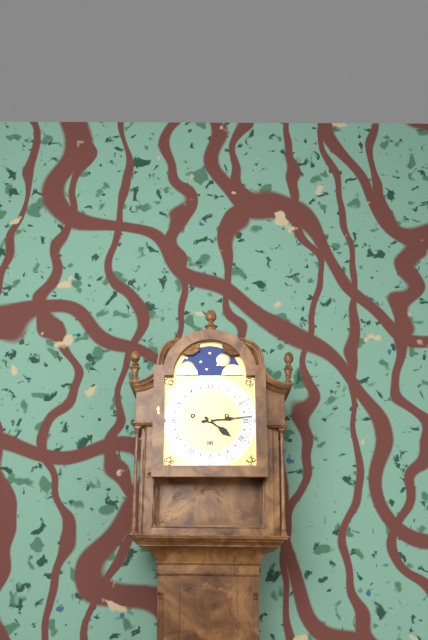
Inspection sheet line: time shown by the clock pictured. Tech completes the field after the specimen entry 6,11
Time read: 4,14
